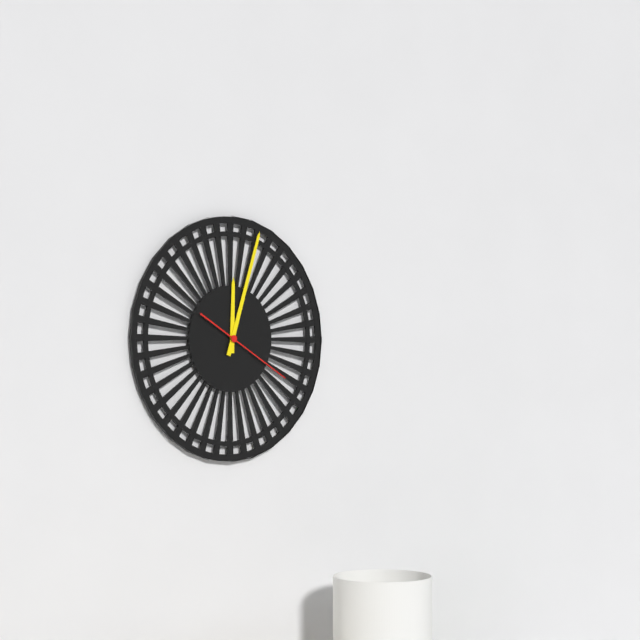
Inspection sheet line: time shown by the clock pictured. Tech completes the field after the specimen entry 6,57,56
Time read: 12,03,20
